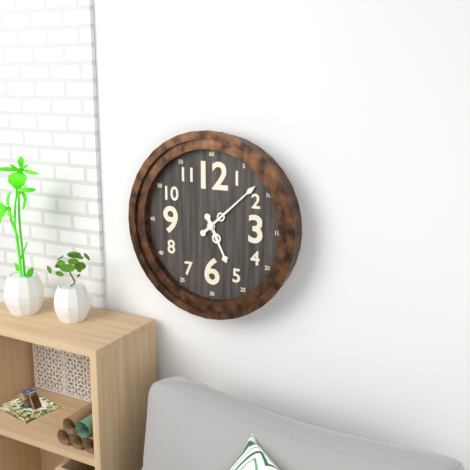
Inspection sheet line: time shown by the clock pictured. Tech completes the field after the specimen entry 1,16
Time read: 5,08
